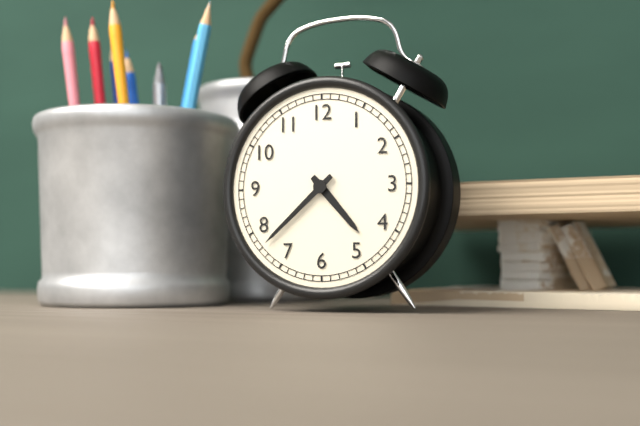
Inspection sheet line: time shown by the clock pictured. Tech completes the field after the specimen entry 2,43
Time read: 4,38
